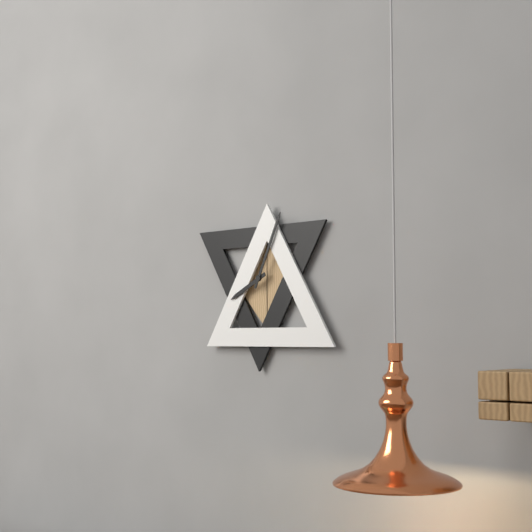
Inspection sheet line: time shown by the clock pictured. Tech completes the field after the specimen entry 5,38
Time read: 8,04
